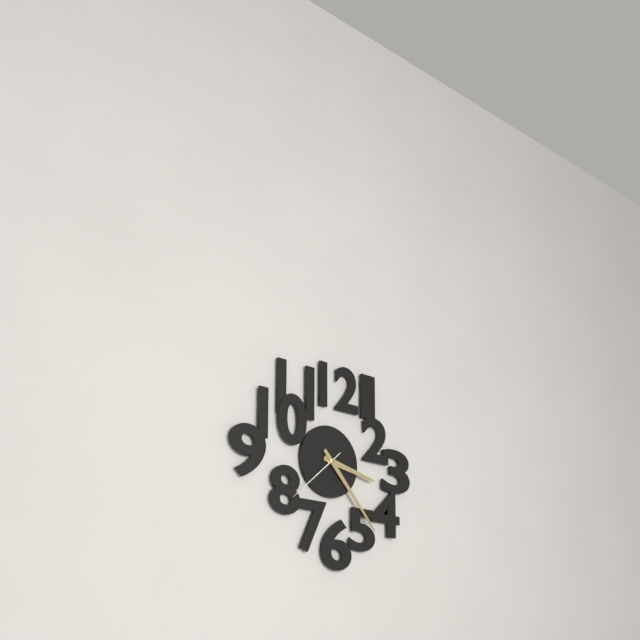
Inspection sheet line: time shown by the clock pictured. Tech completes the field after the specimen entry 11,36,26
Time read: 3,23,38
